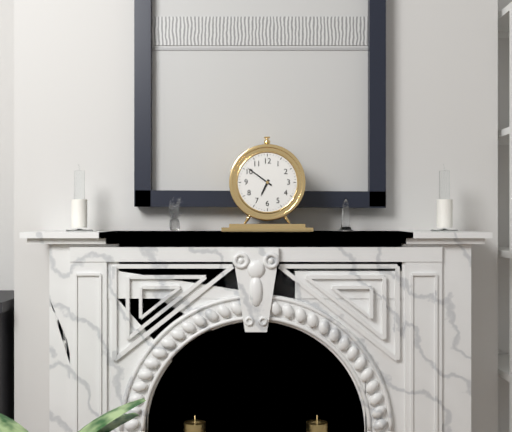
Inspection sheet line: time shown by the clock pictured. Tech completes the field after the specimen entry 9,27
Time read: 6,51
